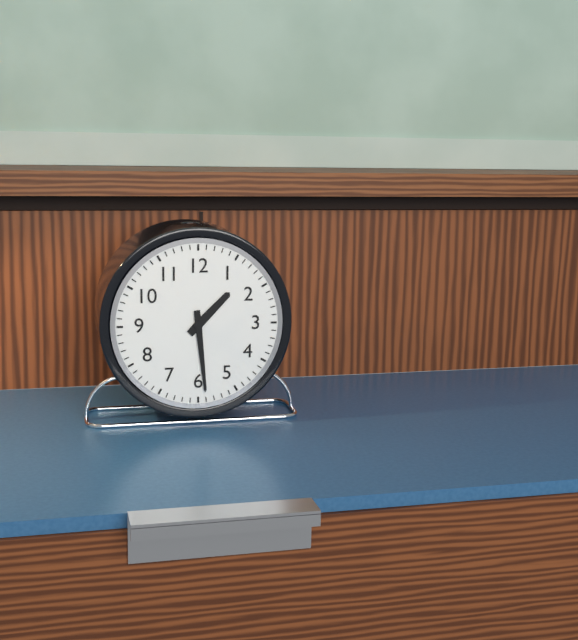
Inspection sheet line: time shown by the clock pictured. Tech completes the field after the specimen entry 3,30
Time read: 1,29
